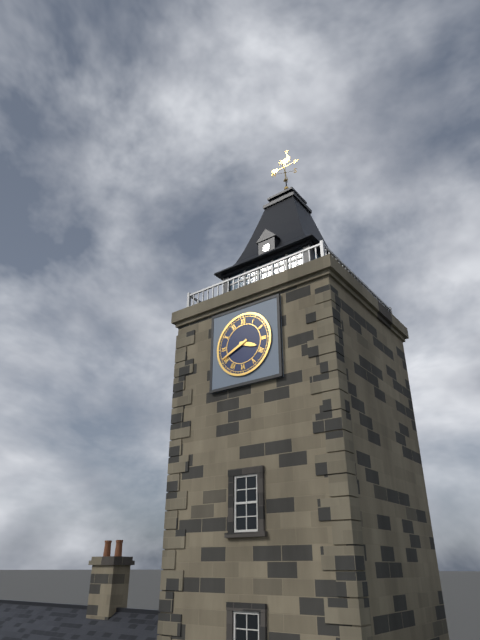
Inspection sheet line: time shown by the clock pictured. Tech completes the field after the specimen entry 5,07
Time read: 3,41
